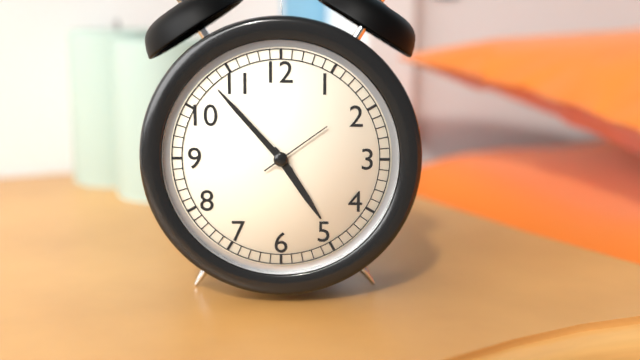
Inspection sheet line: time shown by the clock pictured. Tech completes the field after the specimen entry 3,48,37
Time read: 4,53,09
